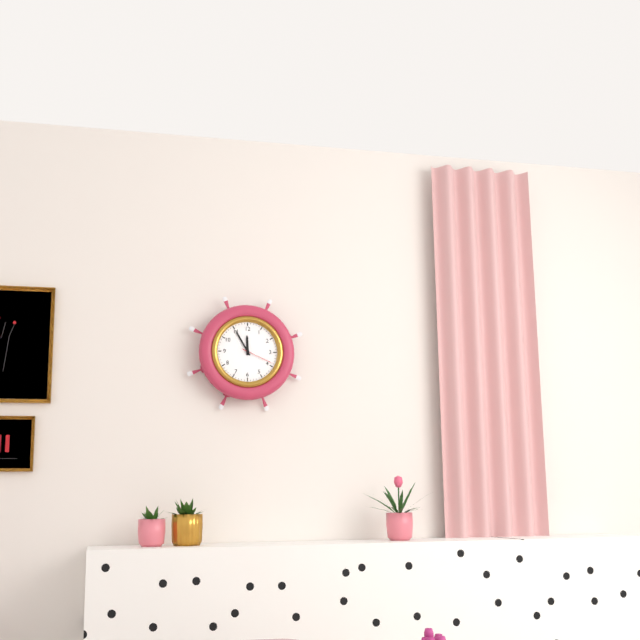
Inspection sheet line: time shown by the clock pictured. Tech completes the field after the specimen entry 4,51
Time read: 11,55
